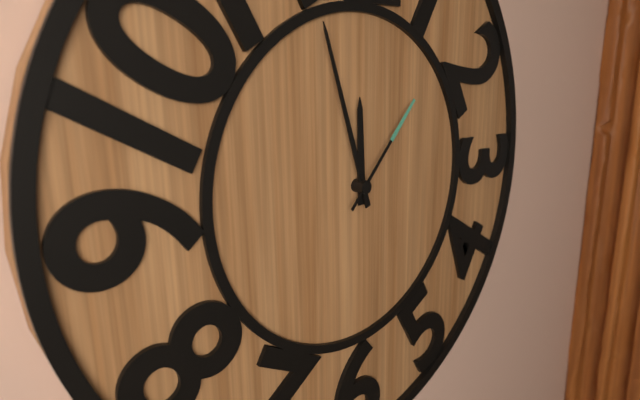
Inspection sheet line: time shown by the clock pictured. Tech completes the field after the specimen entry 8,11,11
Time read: 11,57,07
